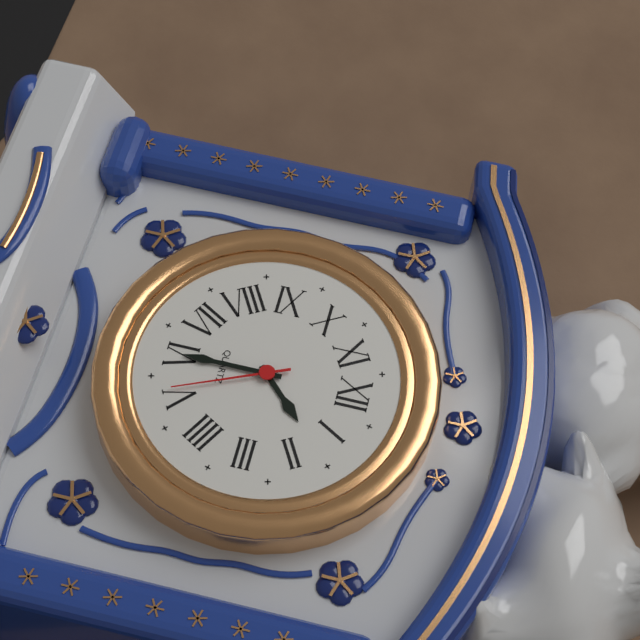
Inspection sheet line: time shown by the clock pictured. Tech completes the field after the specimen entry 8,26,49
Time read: 1,30,26
